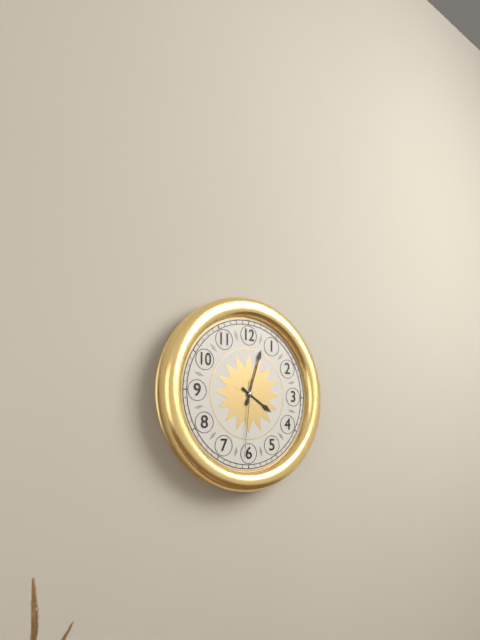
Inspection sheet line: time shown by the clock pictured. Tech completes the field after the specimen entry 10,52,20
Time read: 4,03,31
